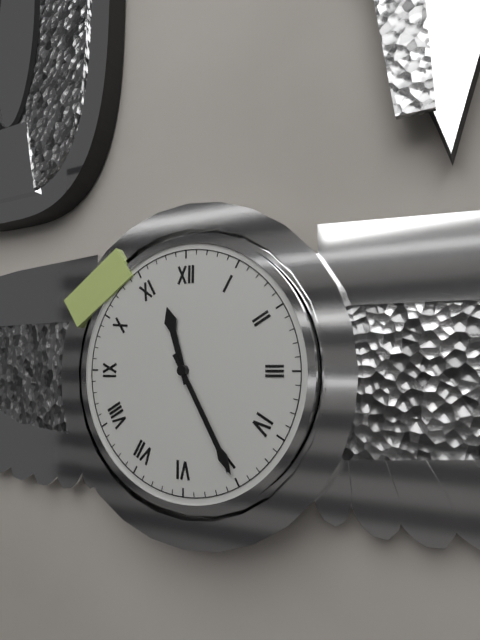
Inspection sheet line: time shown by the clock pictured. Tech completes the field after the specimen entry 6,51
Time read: 11,25
